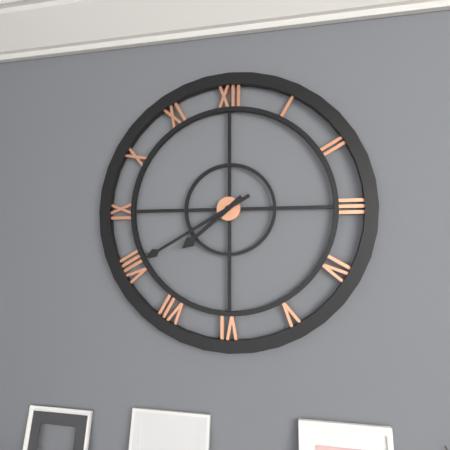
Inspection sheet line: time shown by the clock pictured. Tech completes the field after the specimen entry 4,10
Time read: 7,40
